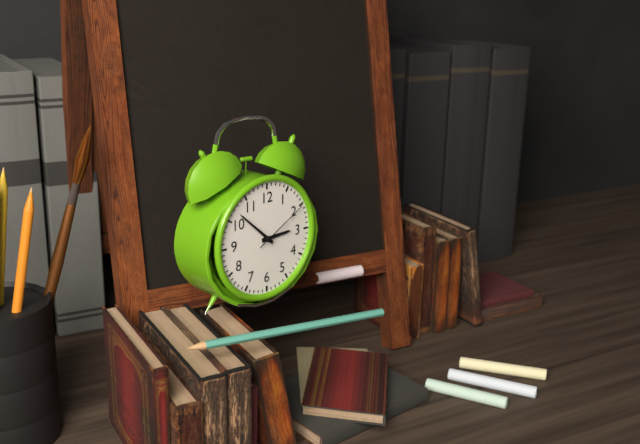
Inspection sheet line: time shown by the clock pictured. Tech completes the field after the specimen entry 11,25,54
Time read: 2,52,10
